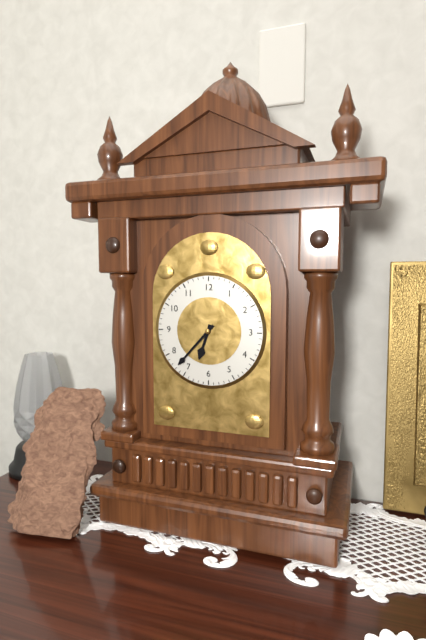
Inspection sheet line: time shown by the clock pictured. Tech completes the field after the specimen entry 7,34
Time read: 6,37
